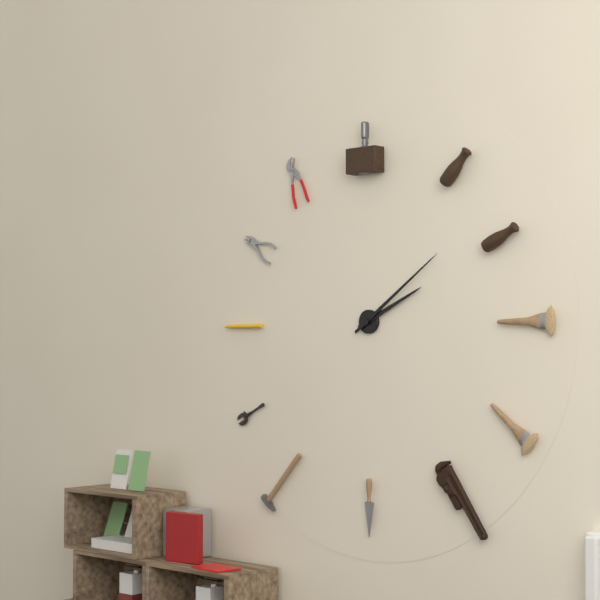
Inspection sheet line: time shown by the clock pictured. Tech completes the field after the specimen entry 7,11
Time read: 2,09
